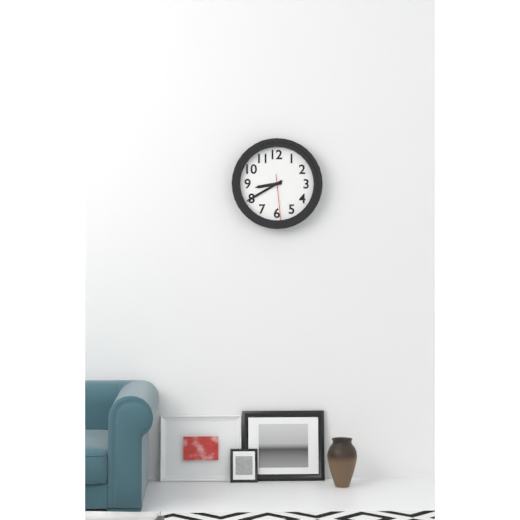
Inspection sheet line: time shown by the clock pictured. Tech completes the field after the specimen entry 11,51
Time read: 8,40
